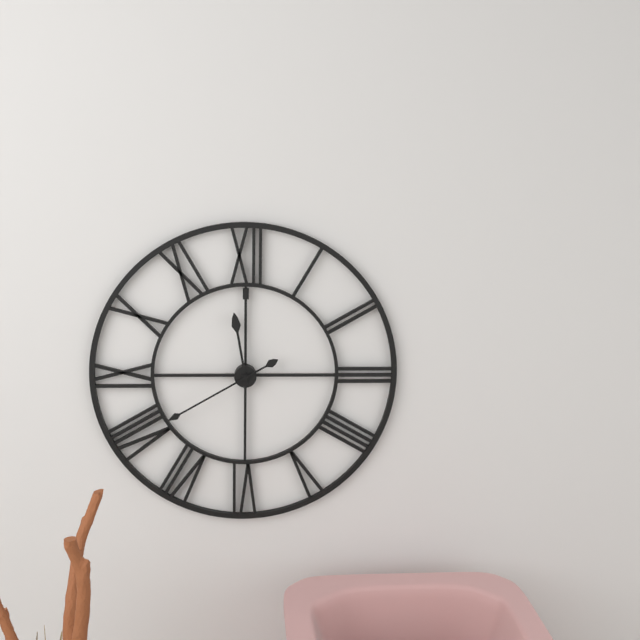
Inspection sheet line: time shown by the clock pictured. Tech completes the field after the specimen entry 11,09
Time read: 11,40
